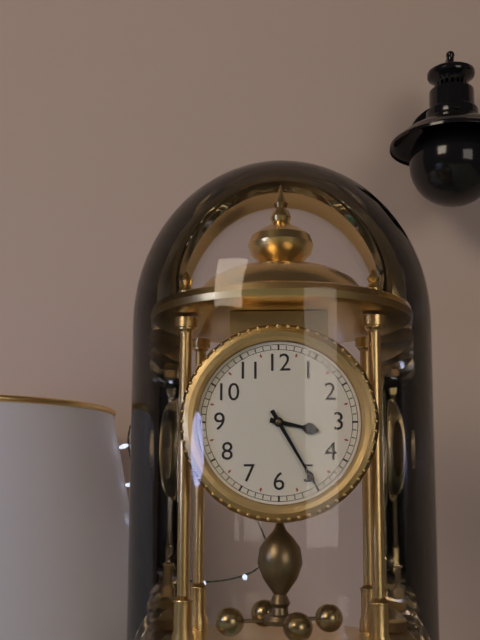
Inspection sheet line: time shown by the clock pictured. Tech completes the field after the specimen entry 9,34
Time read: 3,25
